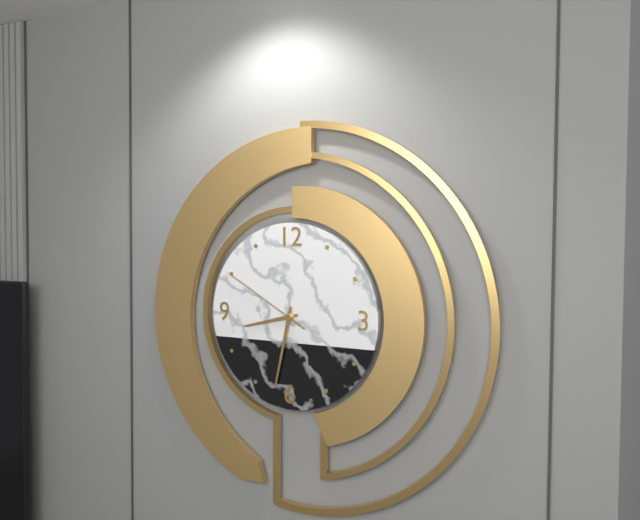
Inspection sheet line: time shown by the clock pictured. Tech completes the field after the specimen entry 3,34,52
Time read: 8,32,50
